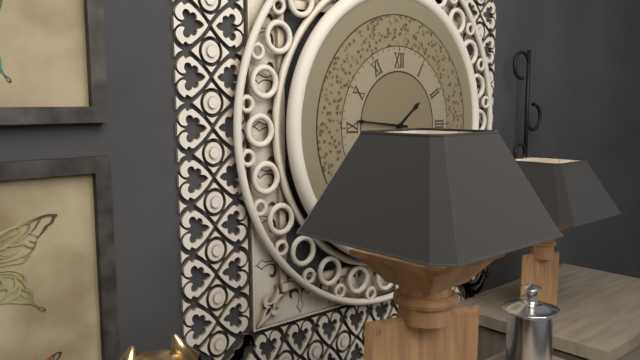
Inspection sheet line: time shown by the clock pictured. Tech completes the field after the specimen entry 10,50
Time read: 1,46
